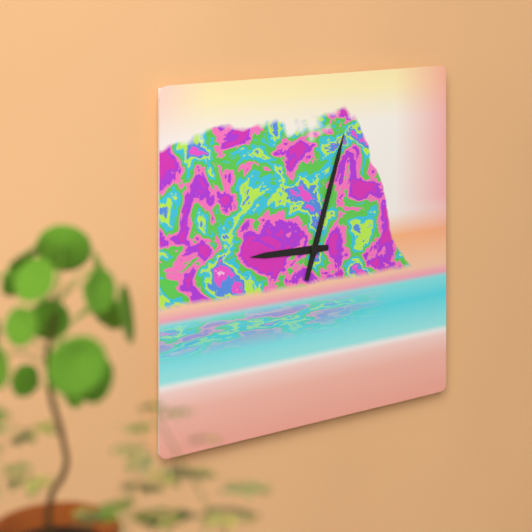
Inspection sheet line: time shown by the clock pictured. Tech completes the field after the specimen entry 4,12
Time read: 9,03
